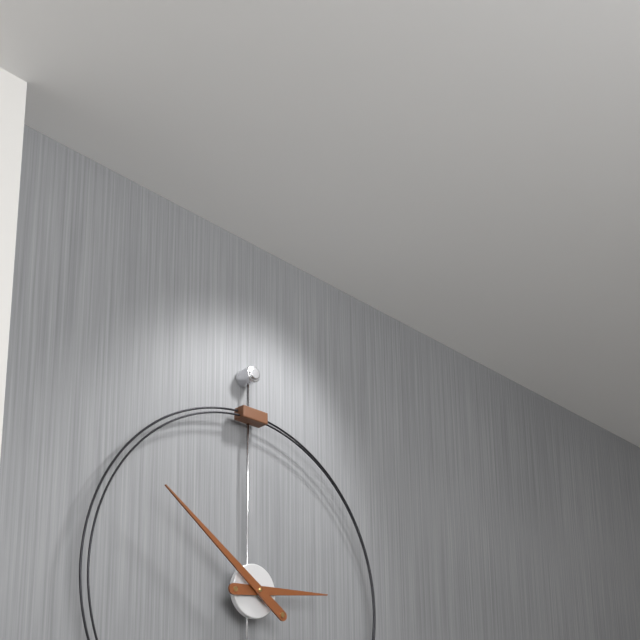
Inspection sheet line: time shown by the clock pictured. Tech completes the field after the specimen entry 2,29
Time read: 2,51
